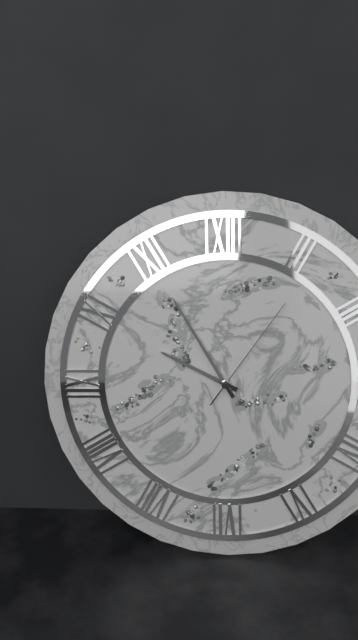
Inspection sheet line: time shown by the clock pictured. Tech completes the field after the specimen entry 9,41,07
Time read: 9,55,06
